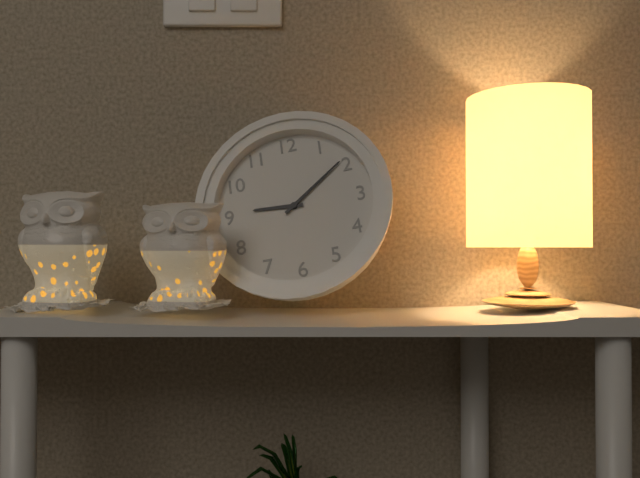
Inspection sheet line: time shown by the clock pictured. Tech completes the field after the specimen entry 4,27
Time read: 9,09
